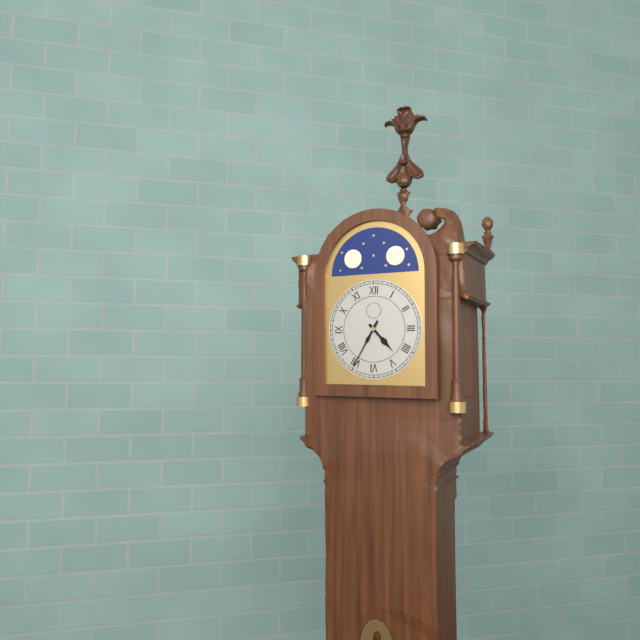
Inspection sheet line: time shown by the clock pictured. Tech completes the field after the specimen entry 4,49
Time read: 4,35
